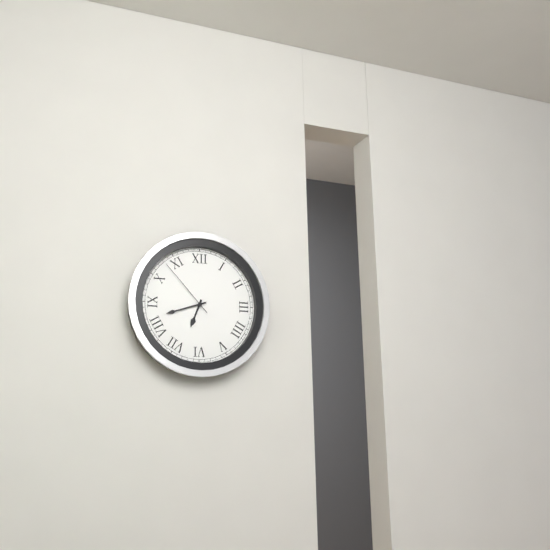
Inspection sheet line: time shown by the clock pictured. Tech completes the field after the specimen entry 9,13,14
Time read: 6,42,53
